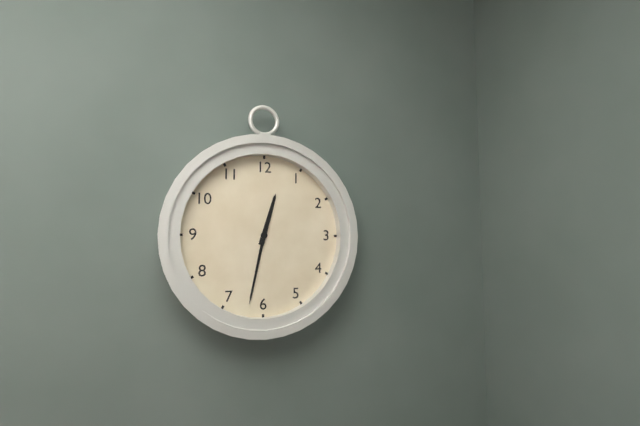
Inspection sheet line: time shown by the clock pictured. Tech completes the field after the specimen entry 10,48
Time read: 12,32
